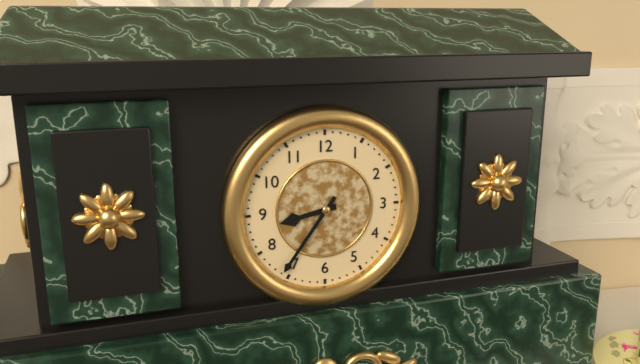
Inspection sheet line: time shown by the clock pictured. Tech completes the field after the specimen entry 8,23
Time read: 8,36
